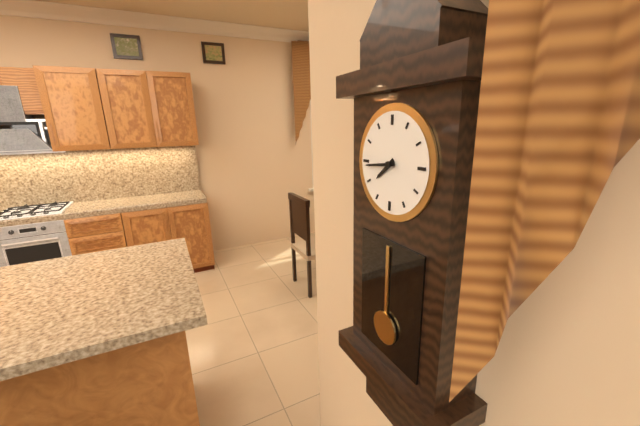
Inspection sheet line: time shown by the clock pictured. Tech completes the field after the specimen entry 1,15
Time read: 7,44
